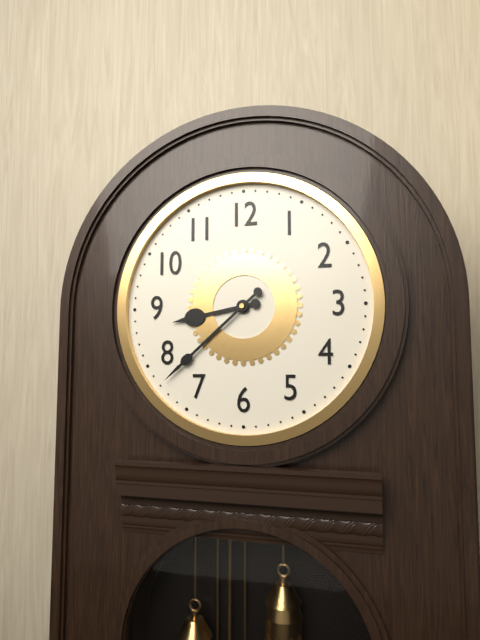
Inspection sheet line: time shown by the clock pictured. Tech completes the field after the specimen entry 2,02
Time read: 8,38
